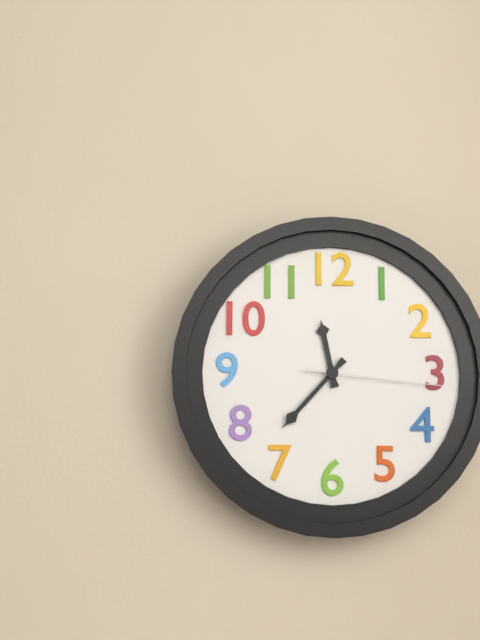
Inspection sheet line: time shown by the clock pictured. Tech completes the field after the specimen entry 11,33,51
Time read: 11,37,16
